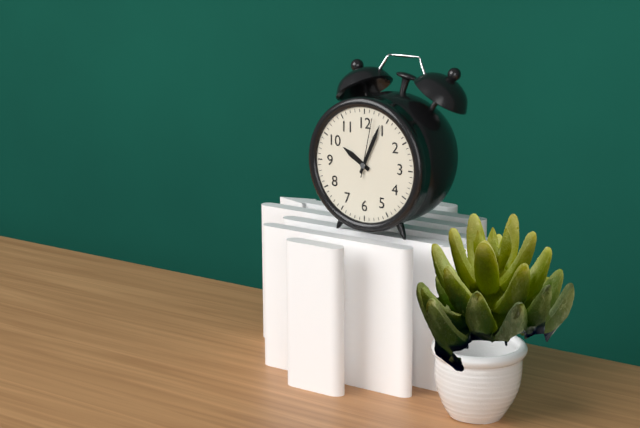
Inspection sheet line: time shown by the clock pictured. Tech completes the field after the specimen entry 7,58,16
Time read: 10,04,02
